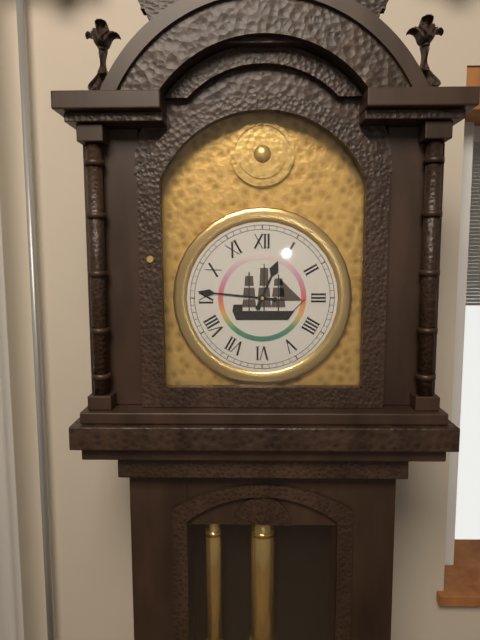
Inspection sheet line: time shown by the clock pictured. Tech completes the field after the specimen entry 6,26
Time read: 12,46
